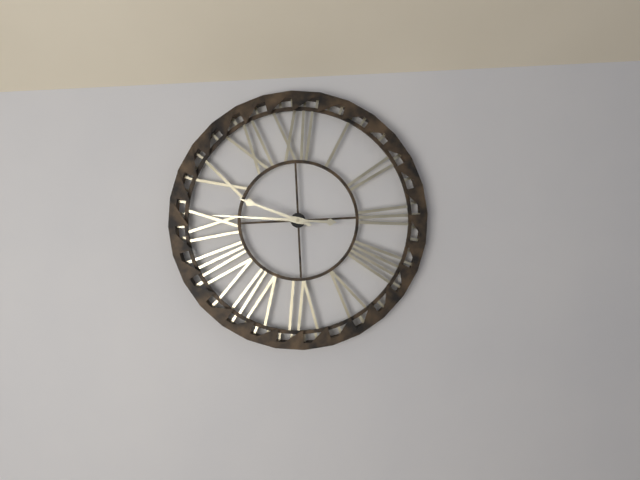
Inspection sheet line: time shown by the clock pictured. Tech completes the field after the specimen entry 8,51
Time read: 9,46
